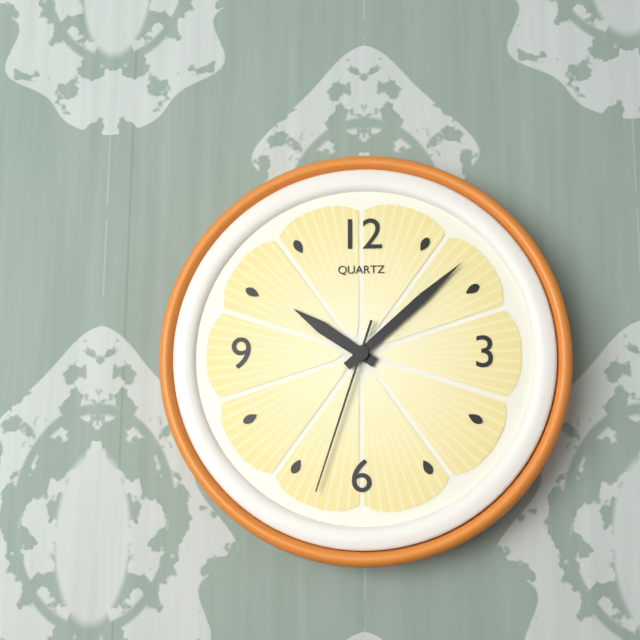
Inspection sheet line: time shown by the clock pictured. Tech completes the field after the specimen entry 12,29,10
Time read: 10,08,33
